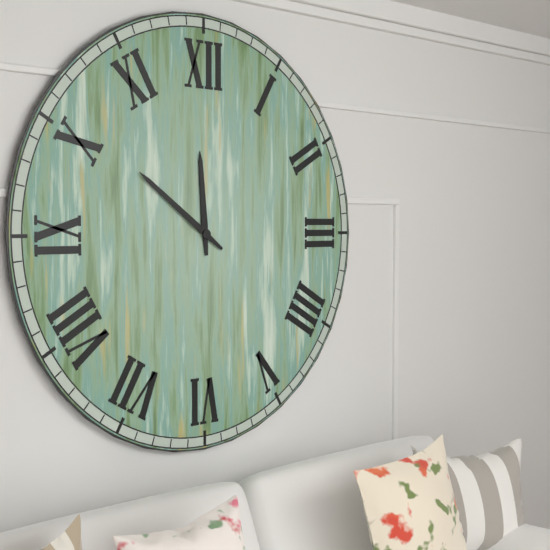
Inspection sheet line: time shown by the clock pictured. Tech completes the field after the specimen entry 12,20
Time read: 11,51
